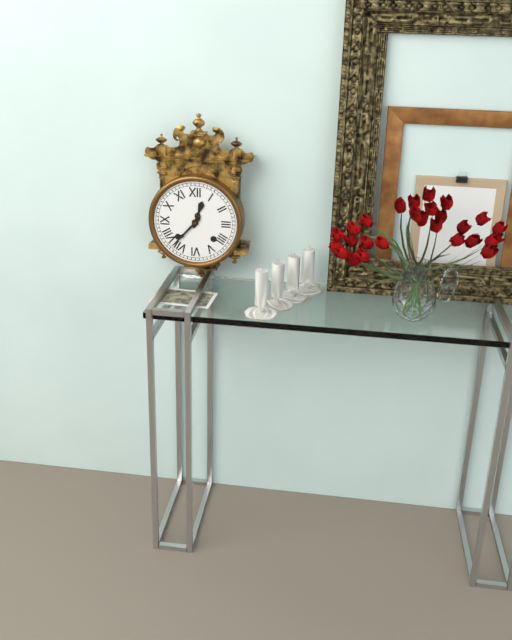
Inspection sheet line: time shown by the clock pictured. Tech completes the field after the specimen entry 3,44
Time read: 12,37
